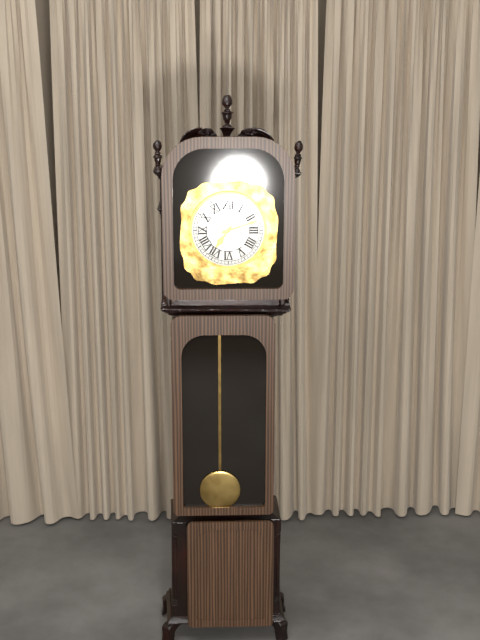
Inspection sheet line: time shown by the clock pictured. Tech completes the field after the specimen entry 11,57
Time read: 7,12
